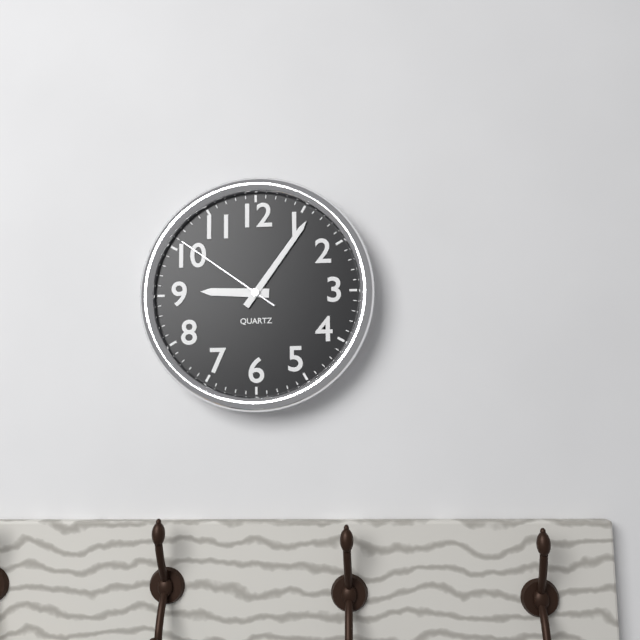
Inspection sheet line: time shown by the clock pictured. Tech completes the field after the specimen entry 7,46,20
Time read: 9,06,51
